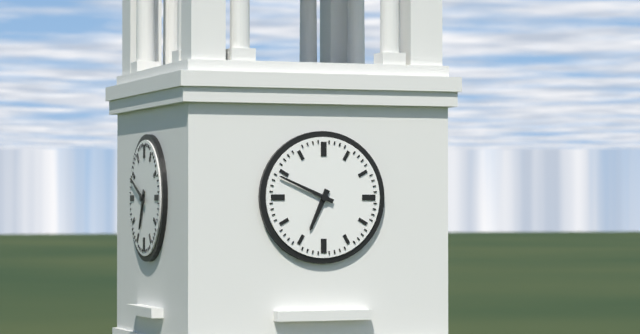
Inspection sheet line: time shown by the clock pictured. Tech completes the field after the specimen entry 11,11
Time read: 6,49
